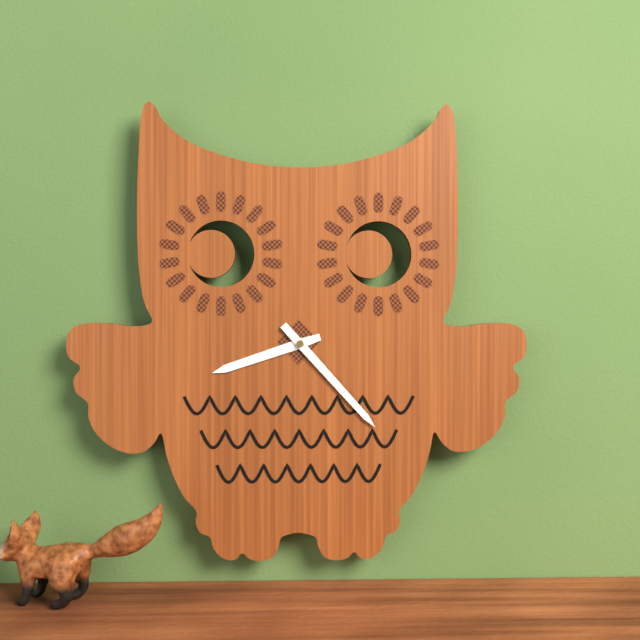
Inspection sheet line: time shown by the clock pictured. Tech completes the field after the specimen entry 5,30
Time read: 8,23
